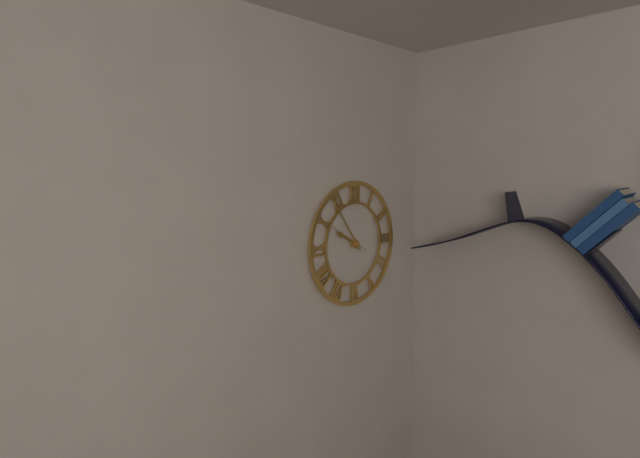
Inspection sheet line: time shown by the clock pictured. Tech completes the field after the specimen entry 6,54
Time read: 9,54
